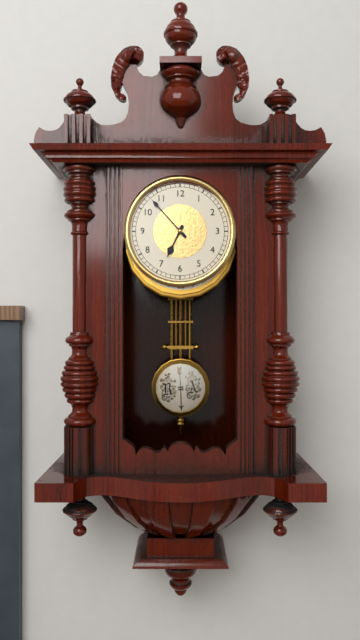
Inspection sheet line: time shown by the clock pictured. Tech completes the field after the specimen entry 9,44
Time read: 6,53
